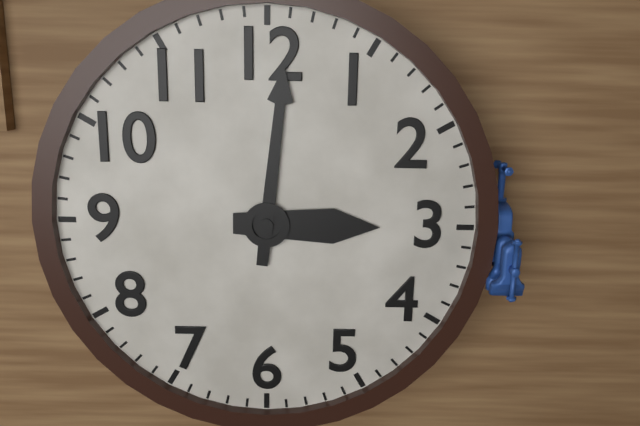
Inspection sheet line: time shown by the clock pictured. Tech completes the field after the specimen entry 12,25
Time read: 3,01
